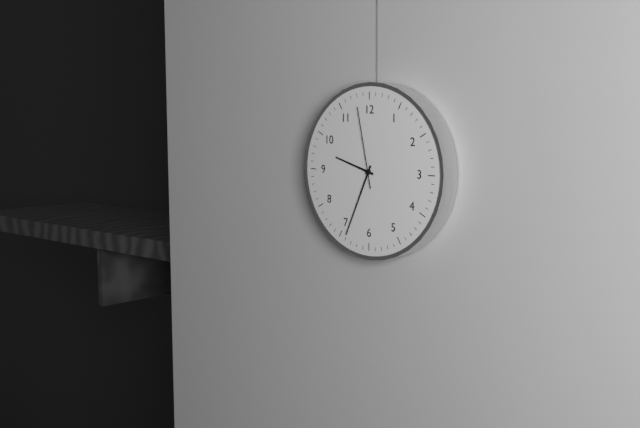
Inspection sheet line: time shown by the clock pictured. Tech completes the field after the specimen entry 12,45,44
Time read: 9,34,58
